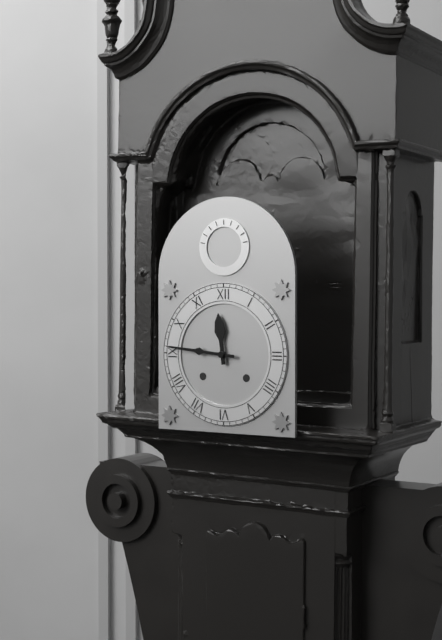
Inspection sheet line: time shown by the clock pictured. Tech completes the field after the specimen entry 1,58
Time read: 11,46
